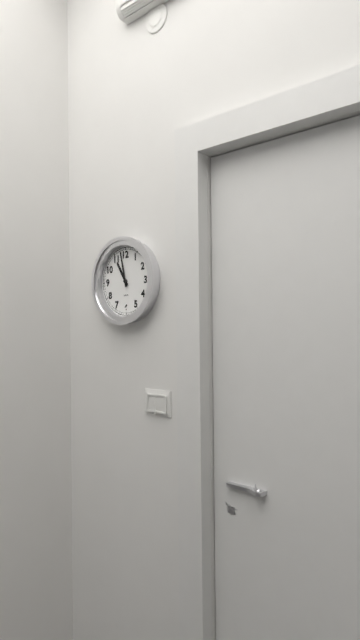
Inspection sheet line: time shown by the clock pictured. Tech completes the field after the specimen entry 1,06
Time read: 10,58
